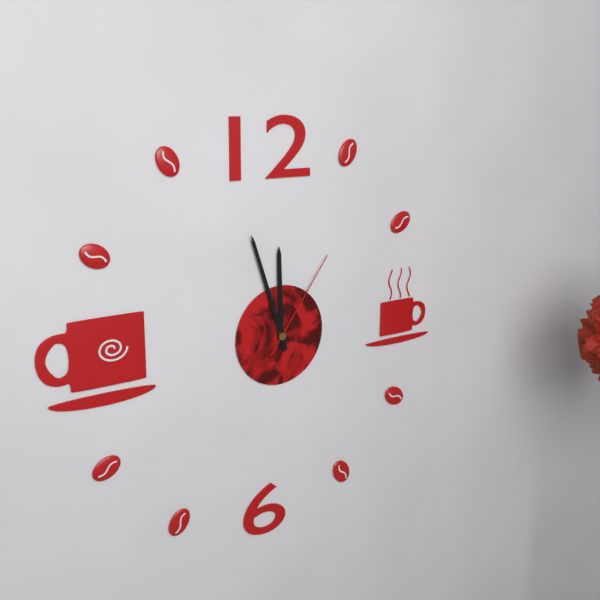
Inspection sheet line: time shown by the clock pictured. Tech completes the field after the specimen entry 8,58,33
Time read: 11,57,06
